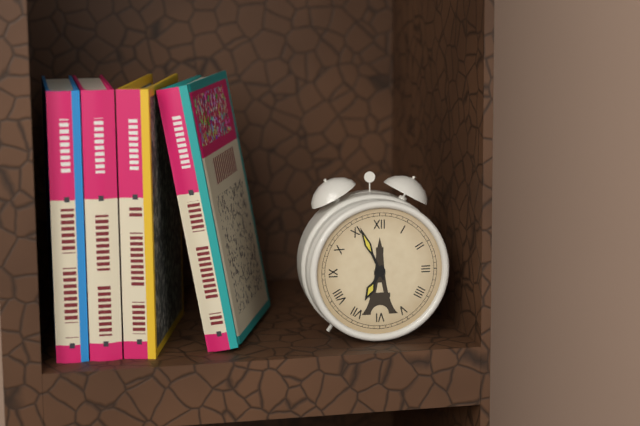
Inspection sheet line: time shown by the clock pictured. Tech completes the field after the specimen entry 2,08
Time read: 6,56
